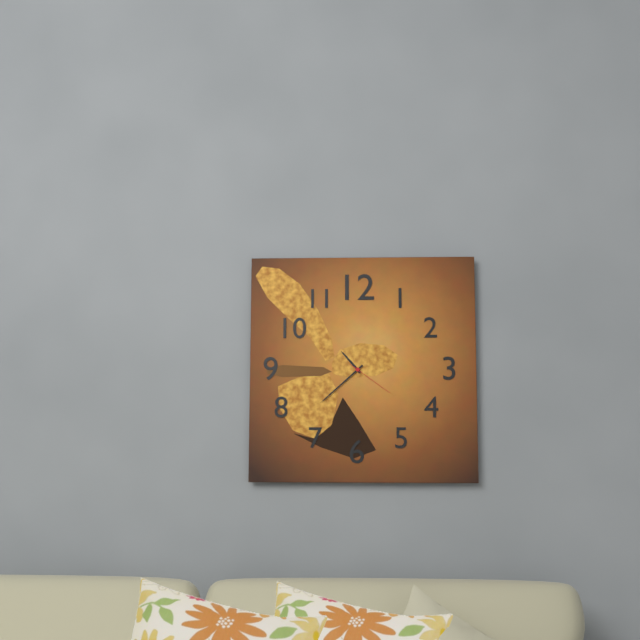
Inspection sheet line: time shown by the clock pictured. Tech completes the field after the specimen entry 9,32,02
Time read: 10,38,21
